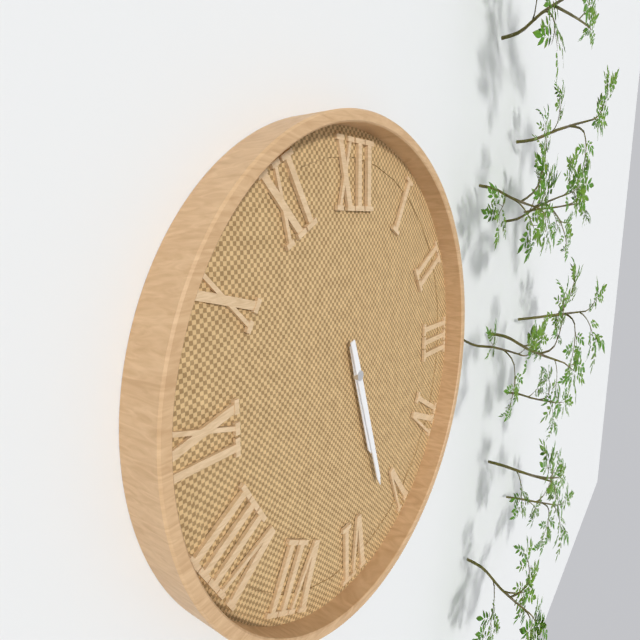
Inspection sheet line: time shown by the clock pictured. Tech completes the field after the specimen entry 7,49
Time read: 5,27
